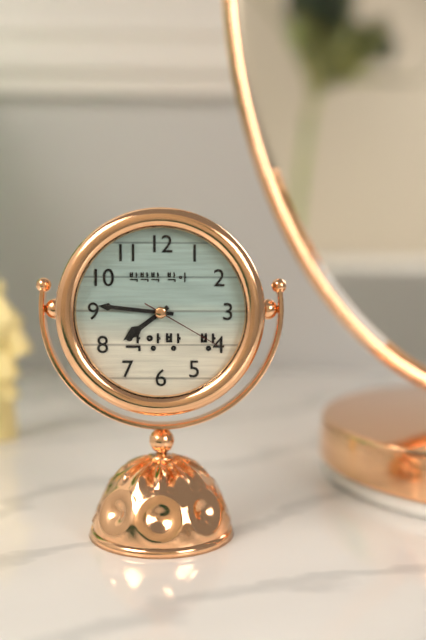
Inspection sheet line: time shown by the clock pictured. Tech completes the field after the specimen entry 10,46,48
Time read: 7,46,20
